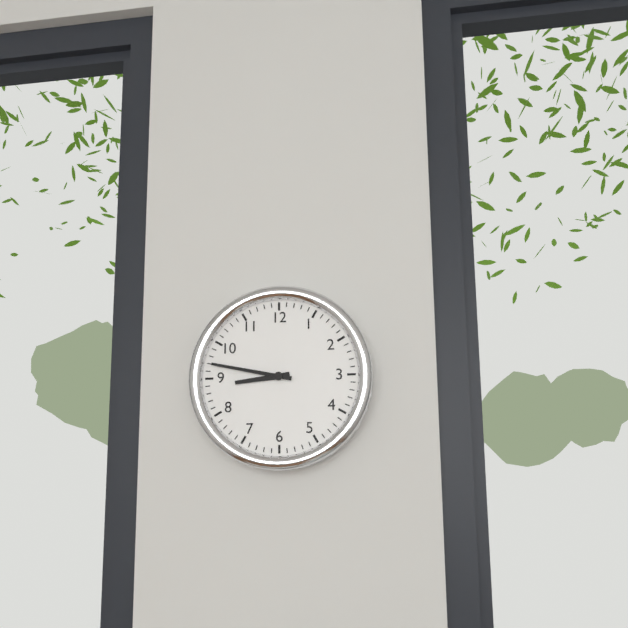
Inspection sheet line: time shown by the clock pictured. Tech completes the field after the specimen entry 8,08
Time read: 8,47
